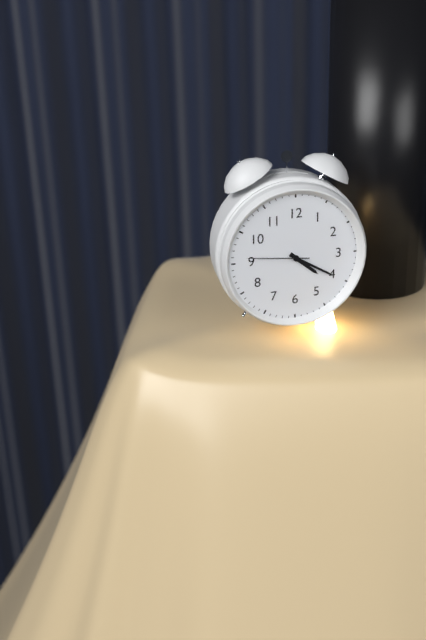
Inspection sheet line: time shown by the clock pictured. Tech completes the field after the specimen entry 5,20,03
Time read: 4,20,46
